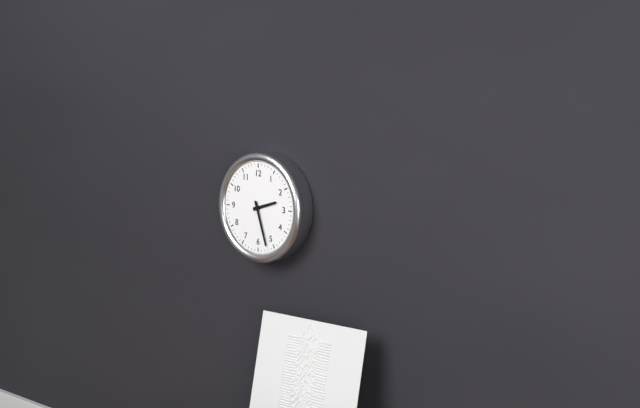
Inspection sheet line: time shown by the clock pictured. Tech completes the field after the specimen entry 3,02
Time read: 2,27
